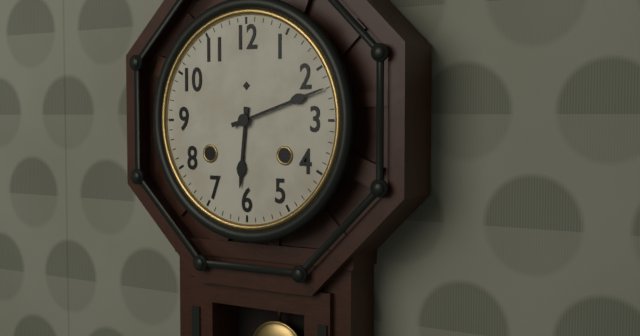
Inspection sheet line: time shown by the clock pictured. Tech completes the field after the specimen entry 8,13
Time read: 6,12
